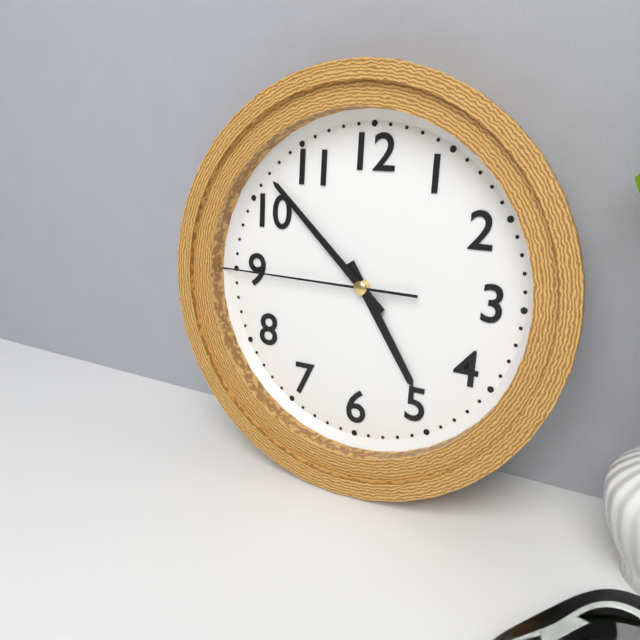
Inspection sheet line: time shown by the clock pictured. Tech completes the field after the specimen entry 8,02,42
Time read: 4,52,45
